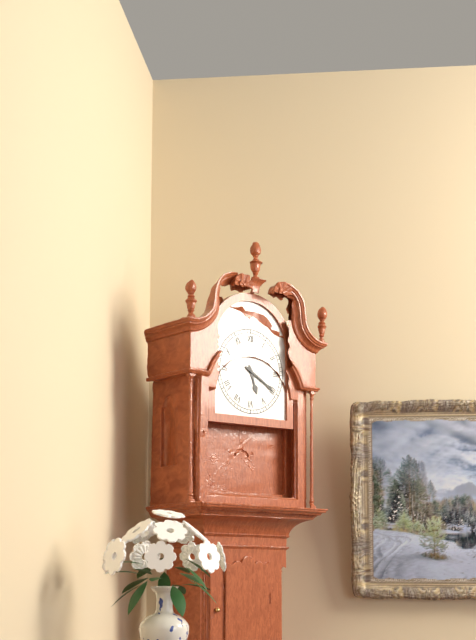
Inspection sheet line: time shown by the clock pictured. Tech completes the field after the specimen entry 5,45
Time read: 5,20
